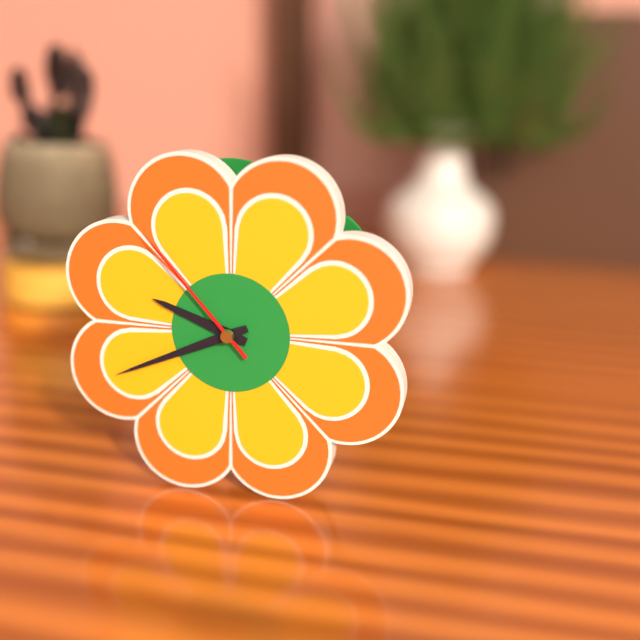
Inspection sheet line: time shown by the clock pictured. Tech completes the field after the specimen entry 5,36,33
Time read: 9,41,53
